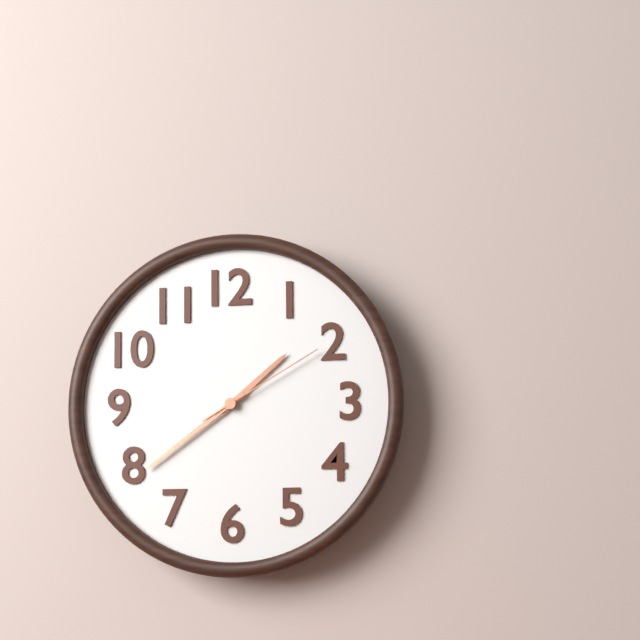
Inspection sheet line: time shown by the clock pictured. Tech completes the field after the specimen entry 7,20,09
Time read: 1,39,10
